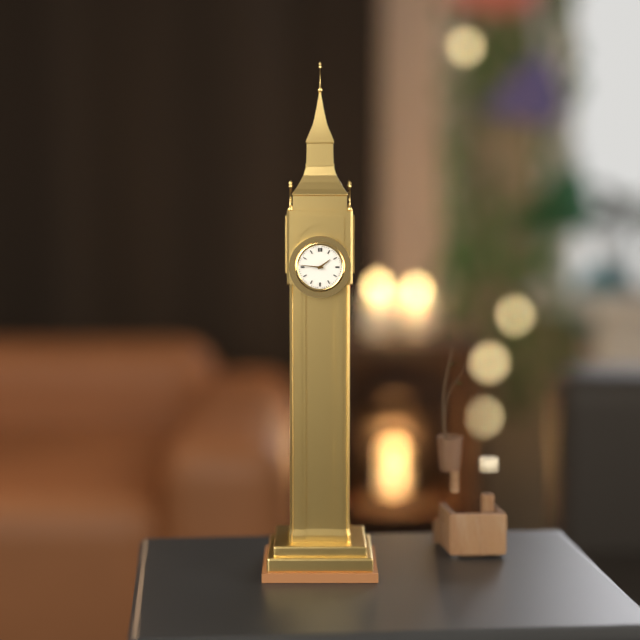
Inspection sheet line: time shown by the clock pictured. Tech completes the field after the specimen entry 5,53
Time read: 1,46
